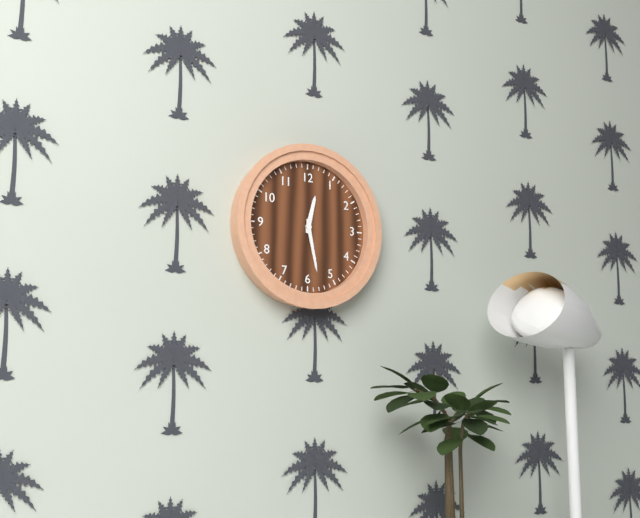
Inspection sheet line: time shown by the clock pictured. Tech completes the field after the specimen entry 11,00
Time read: 12,28
